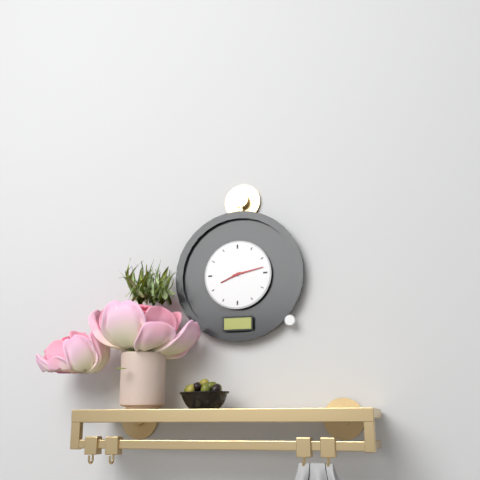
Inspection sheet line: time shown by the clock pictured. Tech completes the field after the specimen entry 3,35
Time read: 8,13
